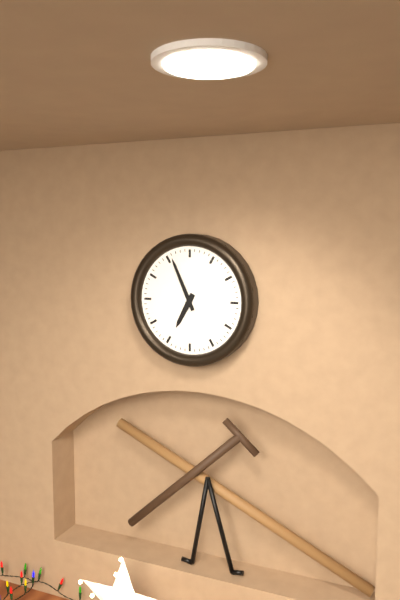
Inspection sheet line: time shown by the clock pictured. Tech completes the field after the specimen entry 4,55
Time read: 6,56
